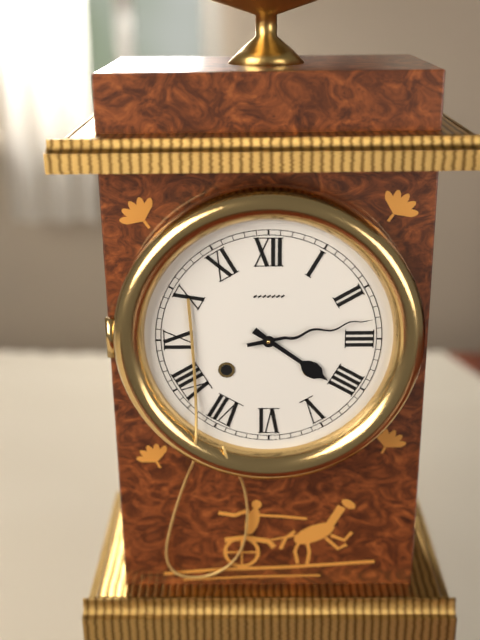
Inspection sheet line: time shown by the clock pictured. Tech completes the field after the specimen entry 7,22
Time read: 4,13
